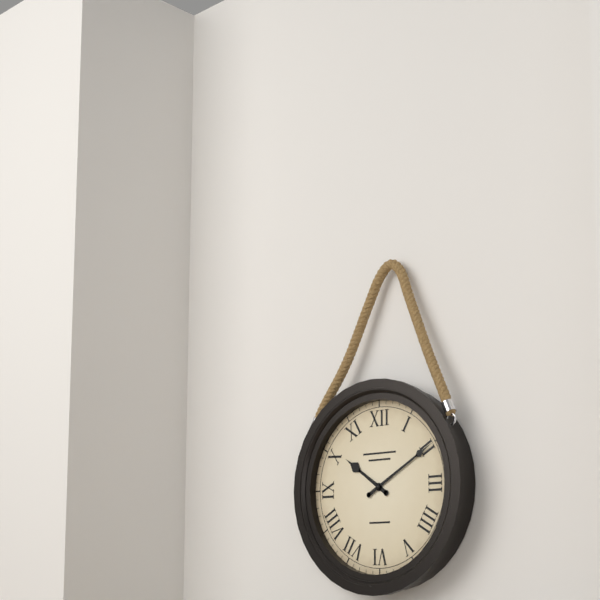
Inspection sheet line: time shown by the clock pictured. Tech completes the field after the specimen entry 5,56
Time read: 10,10
